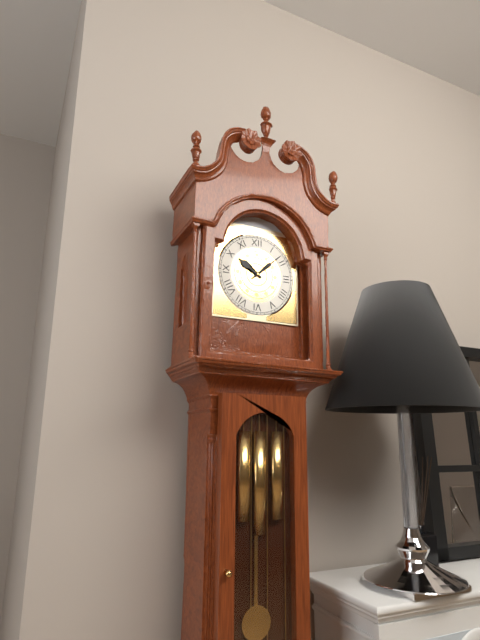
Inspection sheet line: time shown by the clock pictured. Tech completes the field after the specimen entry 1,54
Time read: 10,08
